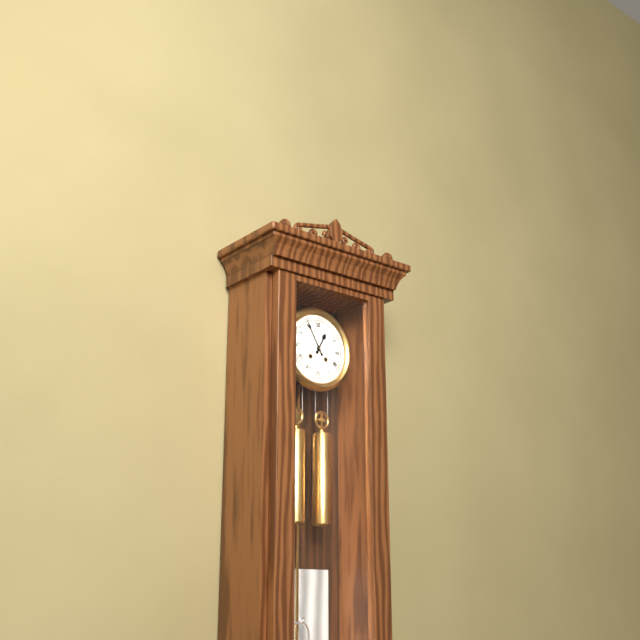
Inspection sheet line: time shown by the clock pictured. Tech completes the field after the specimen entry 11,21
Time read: 12,55
